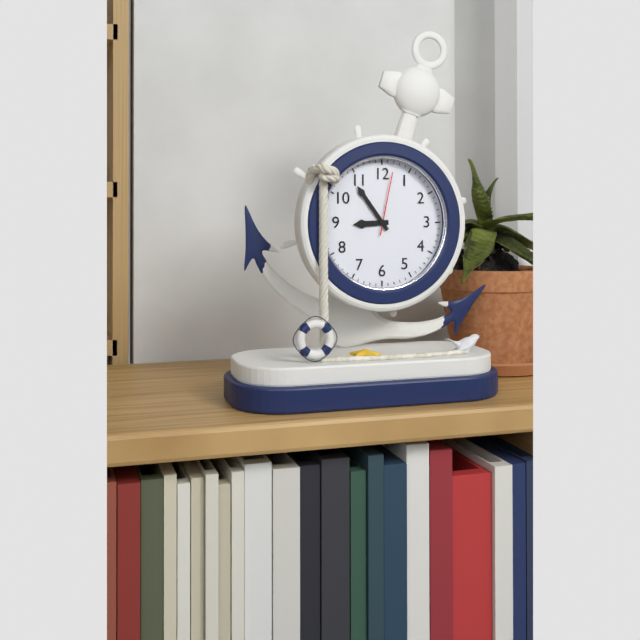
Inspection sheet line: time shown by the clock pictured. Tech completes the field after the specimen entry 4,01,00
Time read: 8,54,02
